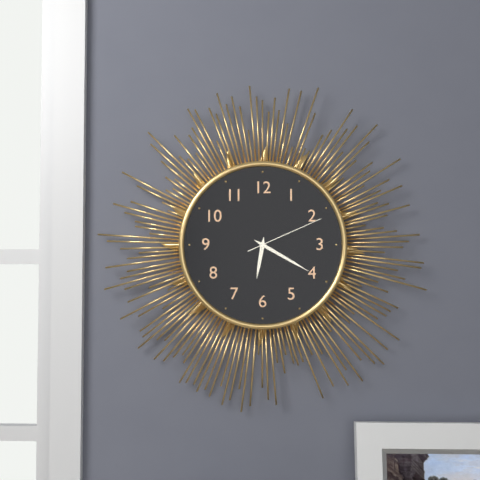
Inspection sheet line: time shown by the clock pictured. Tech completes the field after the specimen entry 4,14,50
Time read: 6,20,11
